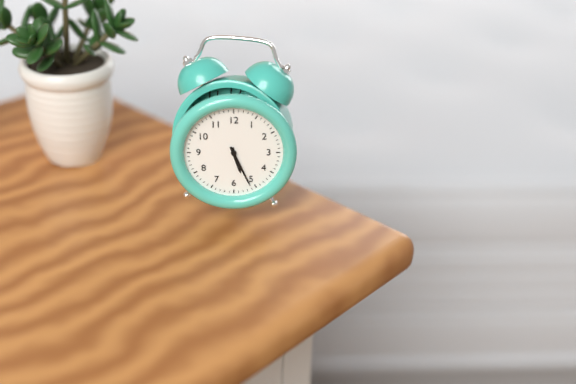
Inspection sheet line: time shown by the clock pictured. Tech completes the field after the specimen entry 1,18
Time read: 5,26
